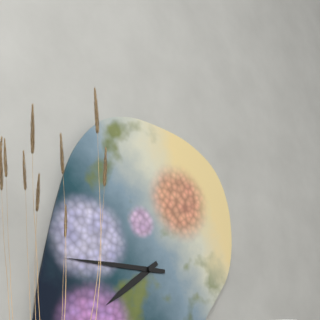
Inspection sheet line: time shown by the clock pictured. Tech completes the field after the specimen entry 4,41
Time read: 7,45
